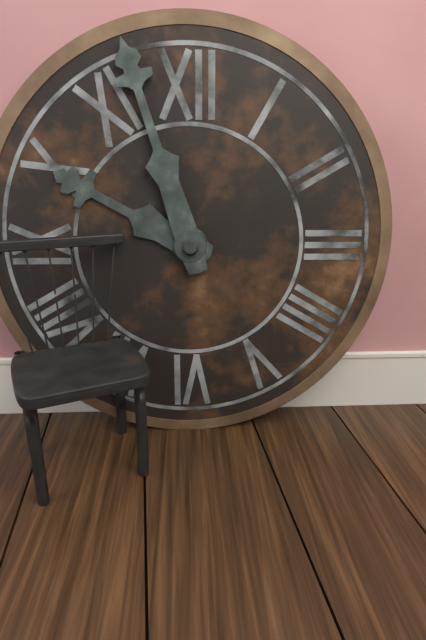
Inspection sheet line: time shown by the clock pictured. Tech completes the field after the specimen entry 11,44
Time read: 9,57
